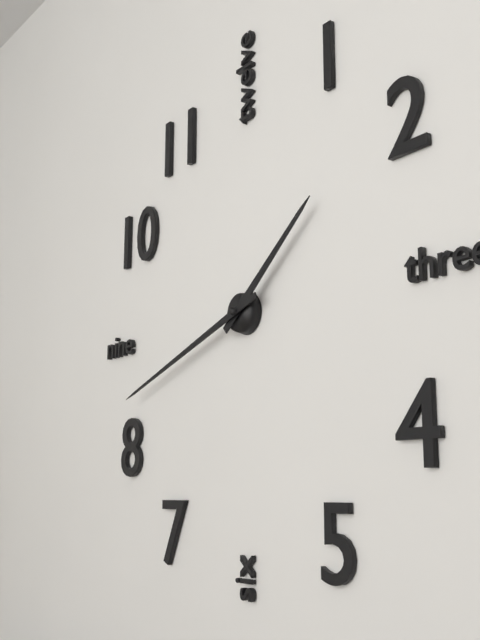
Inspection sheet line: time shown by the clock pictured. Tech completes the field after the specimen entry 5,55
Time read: 1,42
